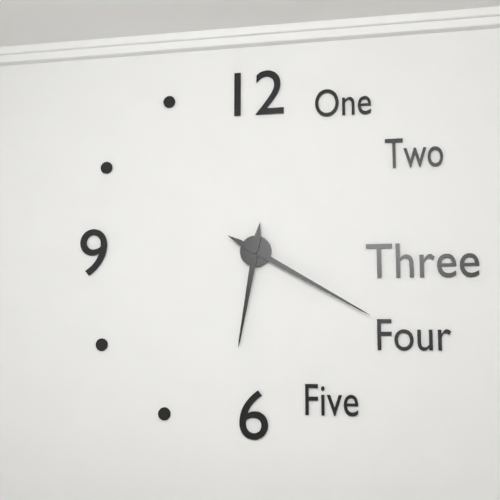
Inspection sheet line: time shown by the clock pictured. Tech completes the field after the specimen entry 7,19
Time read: 6,20
